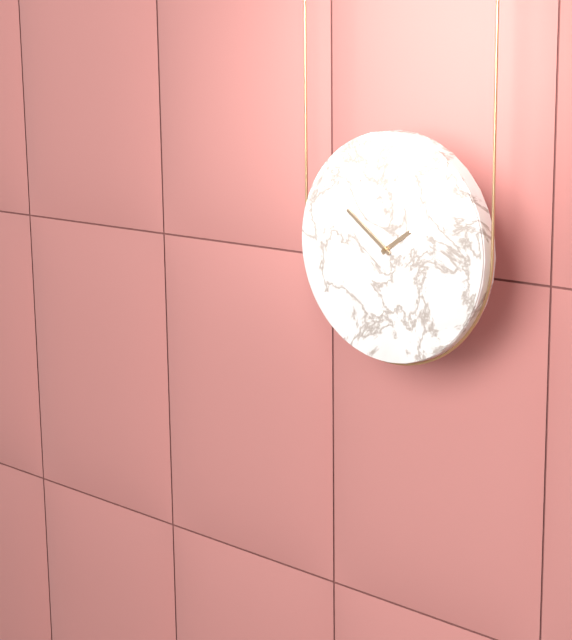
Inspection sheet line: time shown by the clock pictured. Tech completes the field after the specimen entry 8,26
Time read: 1,51
